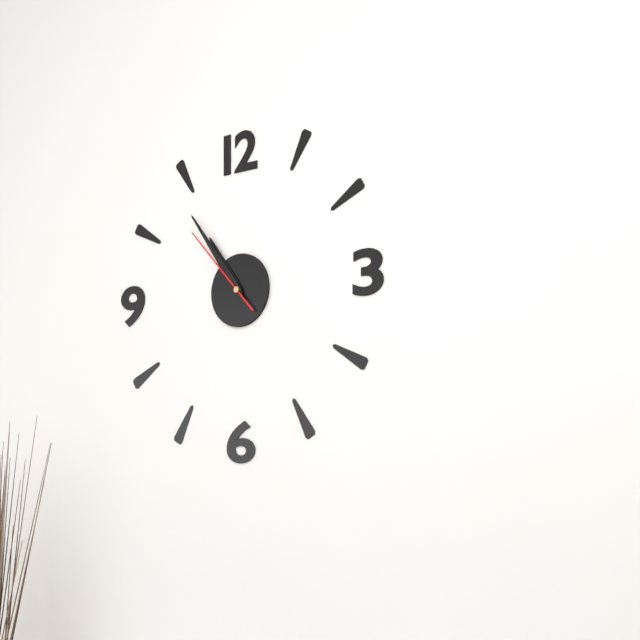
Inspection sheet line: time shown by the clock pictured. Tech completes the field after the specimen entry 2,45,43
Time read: 10,54,53
